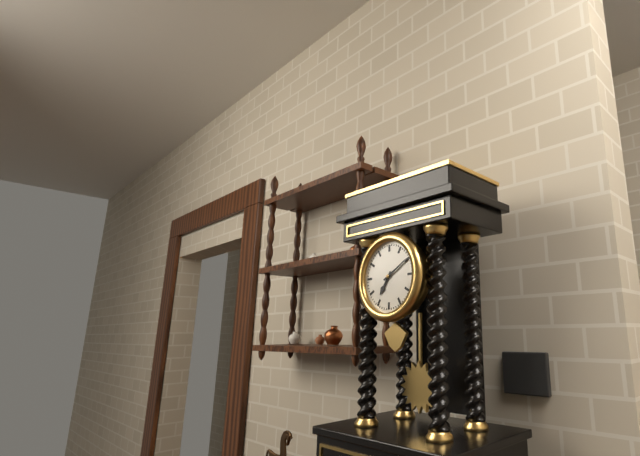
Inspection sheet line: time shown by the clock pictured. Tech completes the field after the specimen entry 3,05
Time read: 7,10
